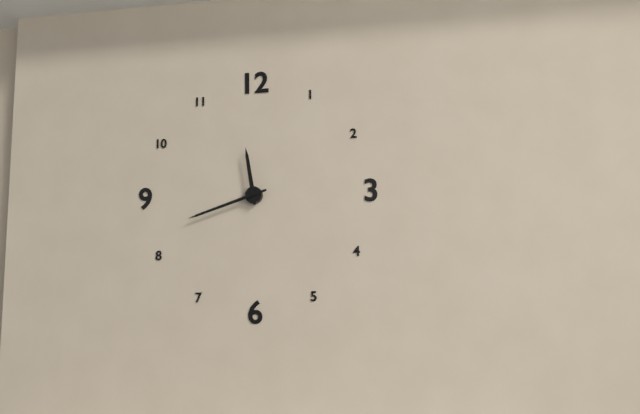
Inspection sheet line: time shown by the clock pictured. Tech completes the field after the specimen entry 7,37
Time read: 11,42
